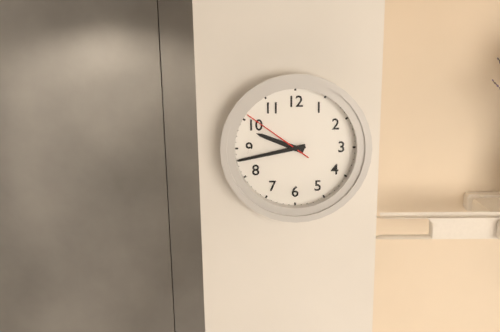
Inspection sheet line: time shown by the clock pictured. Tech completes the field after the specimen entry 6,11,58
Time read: 9,43,51
